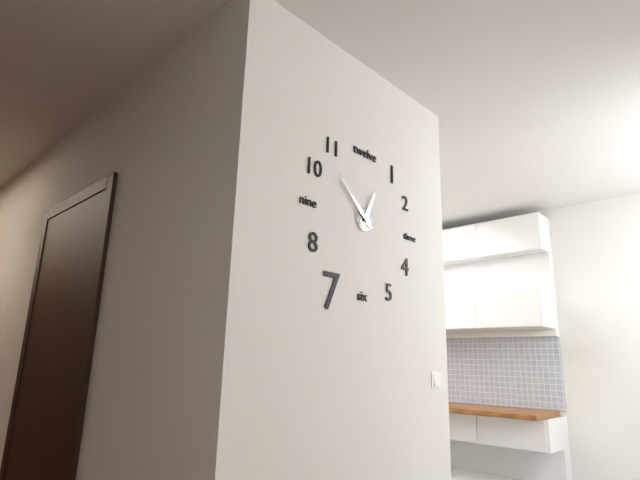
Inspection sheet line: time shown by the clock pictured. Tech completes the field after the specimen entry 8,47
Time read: 12,52
